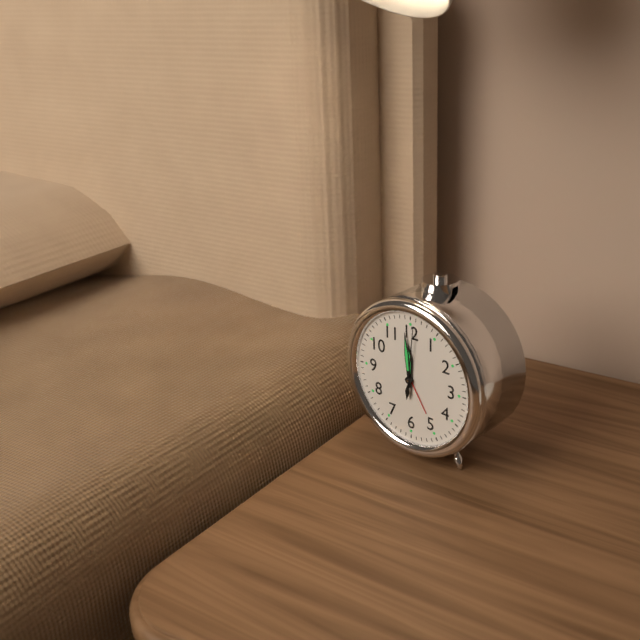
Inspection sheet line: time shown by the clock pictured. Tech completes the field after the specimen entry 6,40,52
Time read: 11,59,01
